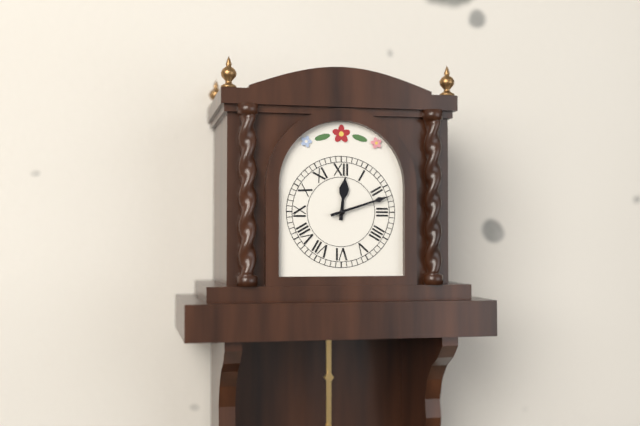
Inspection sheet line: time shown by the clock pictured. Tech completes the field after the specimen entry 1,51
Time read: 12,12
